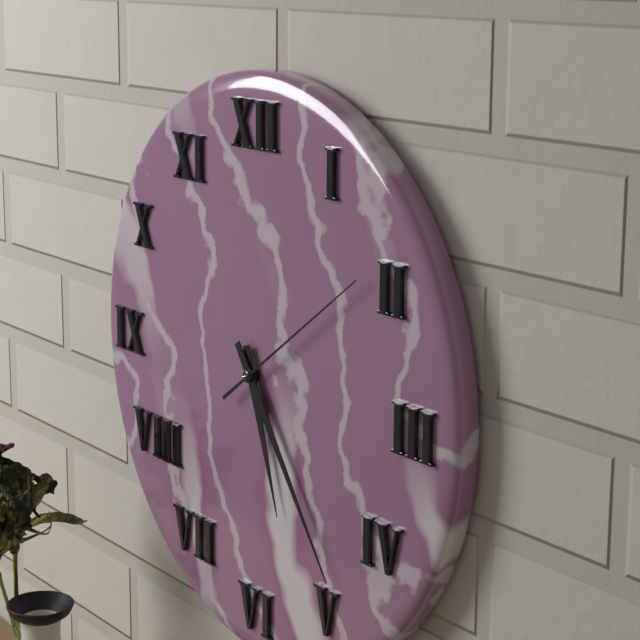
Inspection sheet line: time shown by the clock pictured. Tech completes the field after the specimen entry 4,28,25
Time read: 5,24,09
